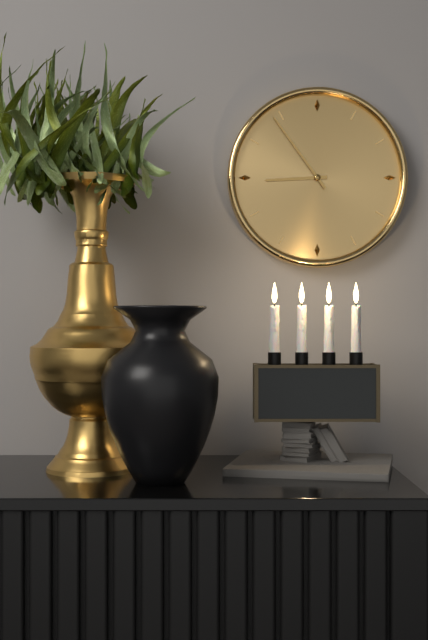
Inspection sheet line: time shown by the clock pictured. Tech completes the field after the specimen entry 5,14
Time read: 8,54
